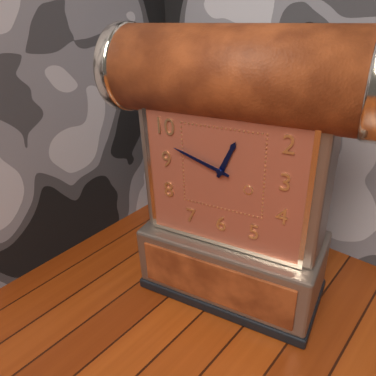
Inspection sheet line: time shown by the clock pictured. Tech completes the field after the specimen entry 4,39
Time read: 12,48
